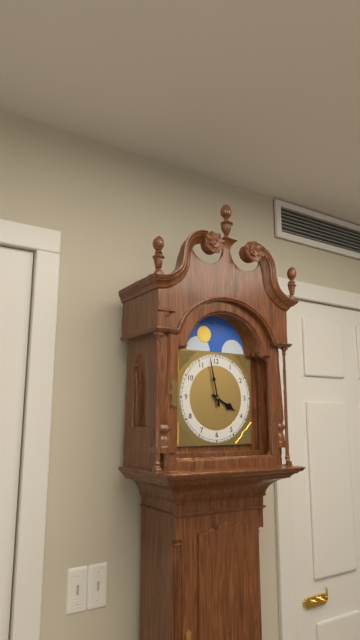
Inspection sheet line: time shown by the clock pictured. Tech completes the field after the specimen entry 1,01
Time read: 3,58
